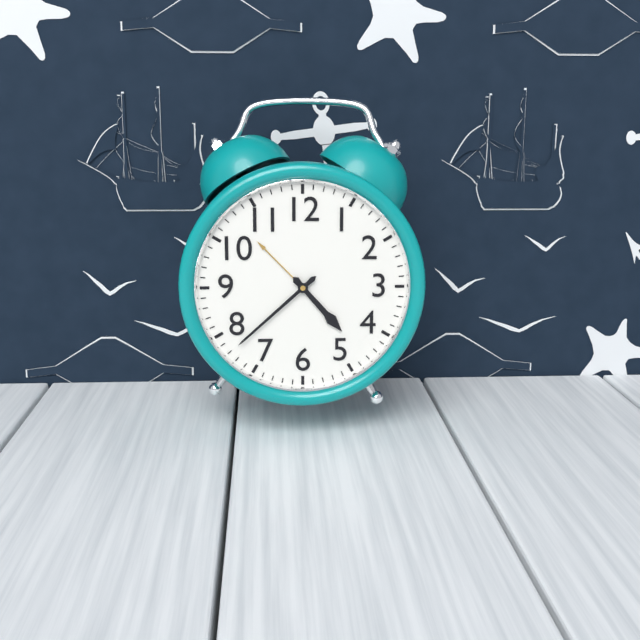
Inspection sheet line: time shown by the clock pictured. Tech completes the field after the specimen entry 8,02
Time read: 4,38
